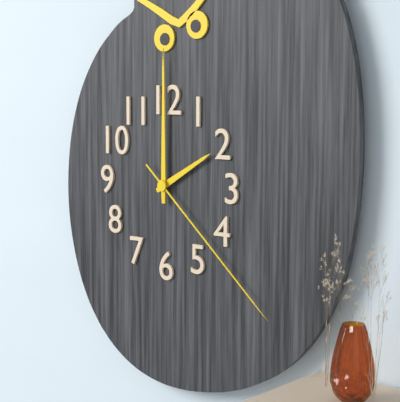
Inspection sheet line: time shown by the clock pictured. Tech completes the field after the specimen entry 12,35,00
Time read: 2,00,22
